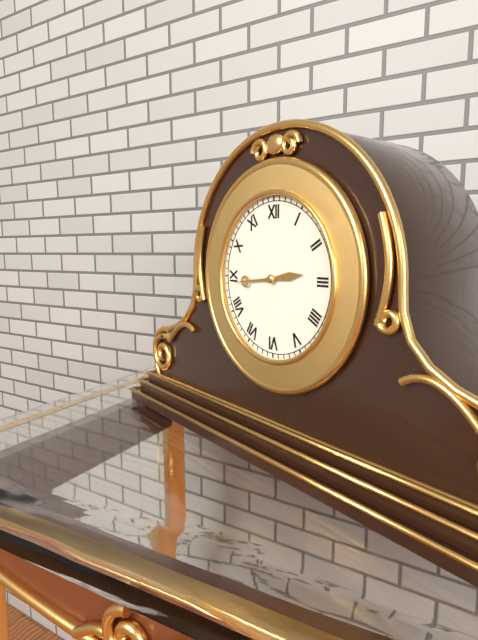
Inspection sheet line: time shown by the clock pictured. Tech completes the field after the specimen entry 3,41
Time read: 2,44
